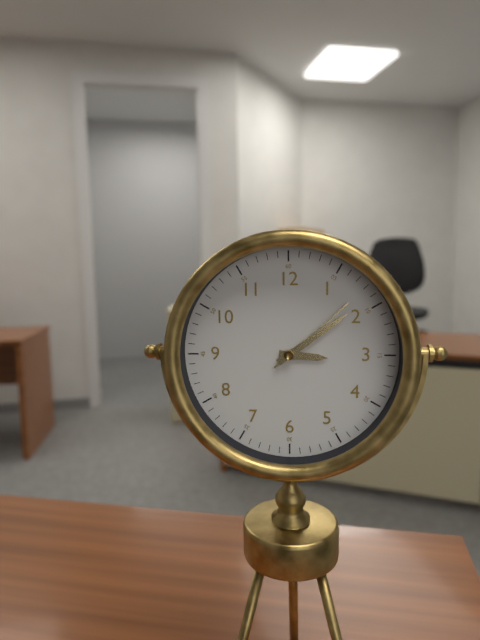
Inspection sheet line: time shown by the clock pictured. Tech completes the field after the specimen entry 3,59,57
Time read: 3,09,08
